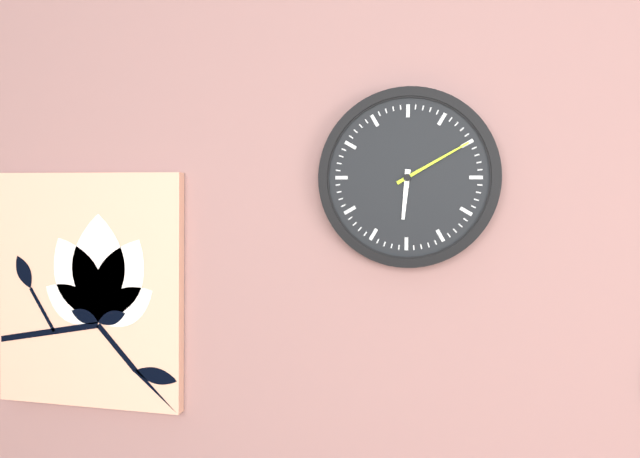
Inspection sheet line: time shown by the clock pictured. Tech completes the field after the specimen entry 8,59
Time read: 6,10
